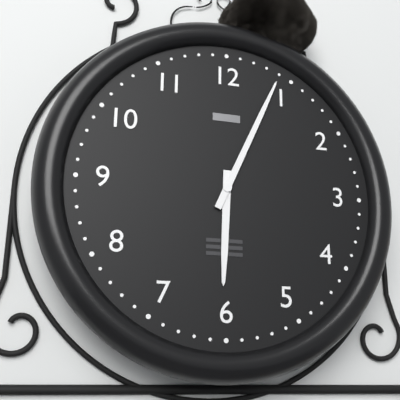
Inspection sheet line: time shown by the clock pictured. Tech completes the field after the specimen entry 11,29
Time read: 6,04
